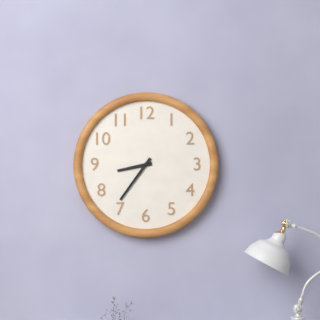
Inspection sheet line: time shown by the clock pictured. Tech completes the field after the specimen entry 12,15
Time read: 8,36
